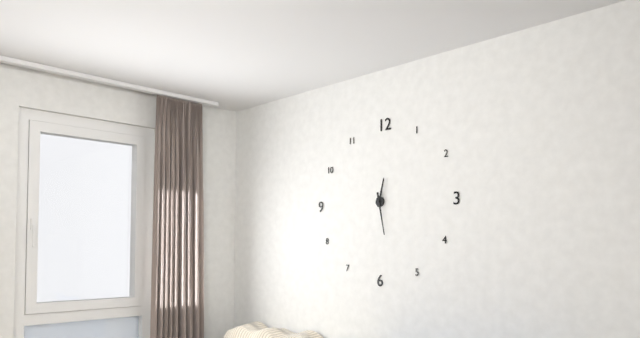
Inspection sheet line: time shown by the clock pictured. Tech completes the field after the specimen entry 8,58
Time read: 12,28
